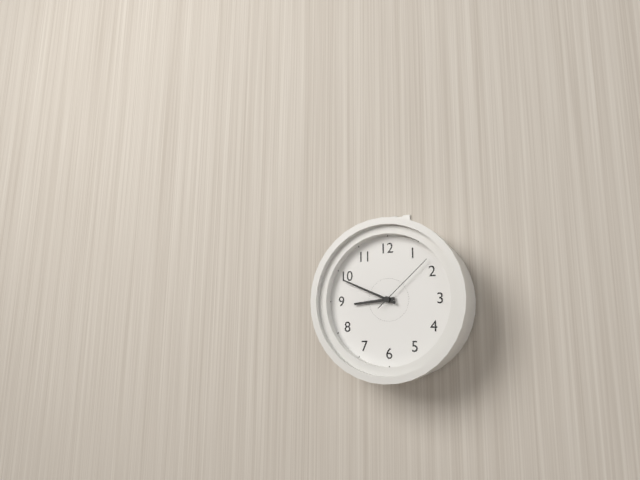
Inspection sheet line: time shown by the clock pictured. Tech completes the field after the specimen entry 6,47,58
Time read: 8,49,08
